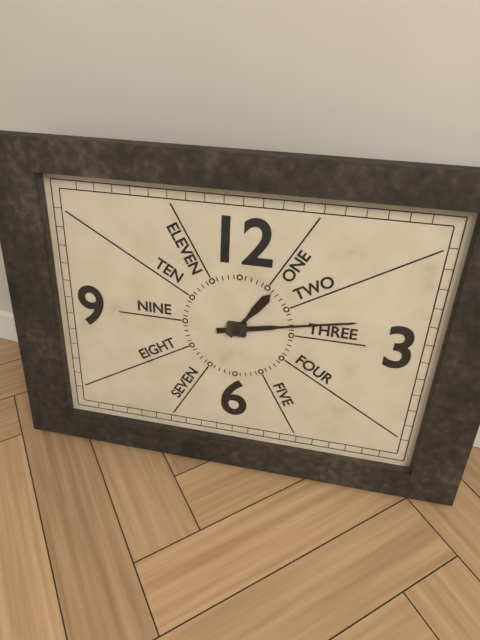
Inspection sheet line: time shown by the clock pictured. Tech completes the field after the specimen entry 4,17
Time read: 1,13
